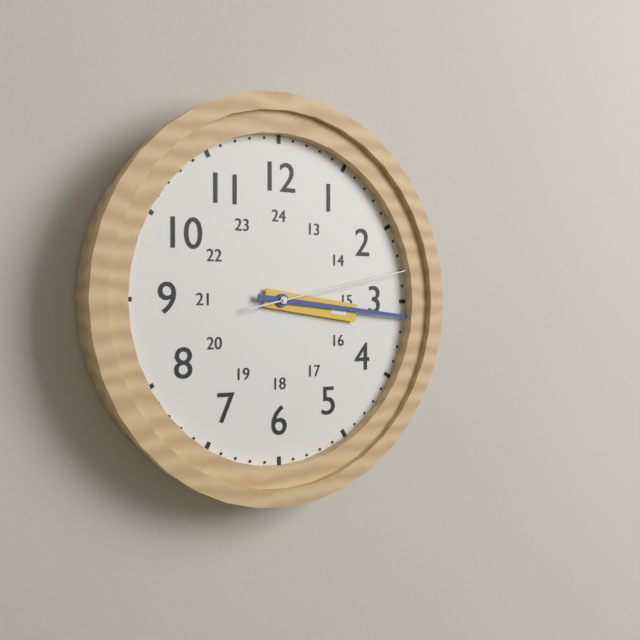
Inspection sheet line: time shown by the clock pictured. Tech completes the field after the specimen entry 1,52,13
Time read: 3,16,13
